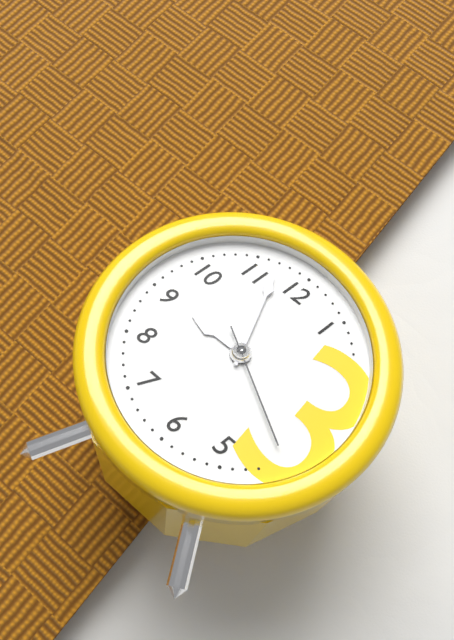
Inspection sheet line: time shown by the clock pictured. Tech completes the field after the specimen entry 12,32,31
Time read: 8,57,20
